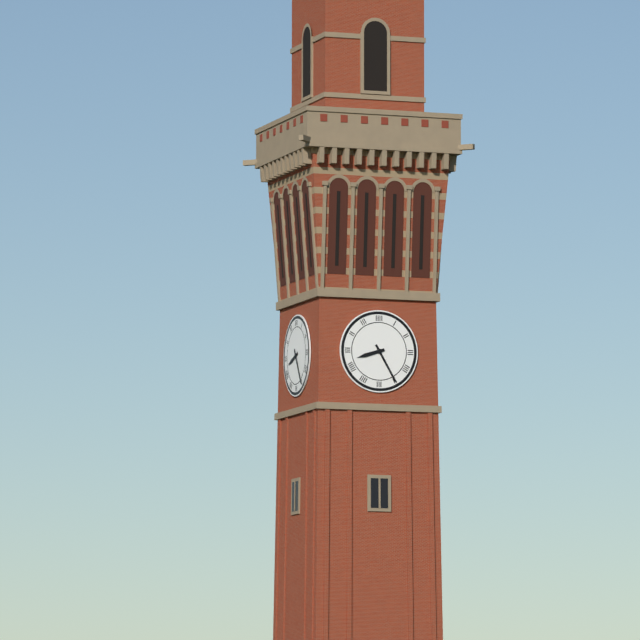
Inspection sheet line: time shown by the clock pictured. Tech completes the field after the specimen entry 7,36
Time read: 8,25
